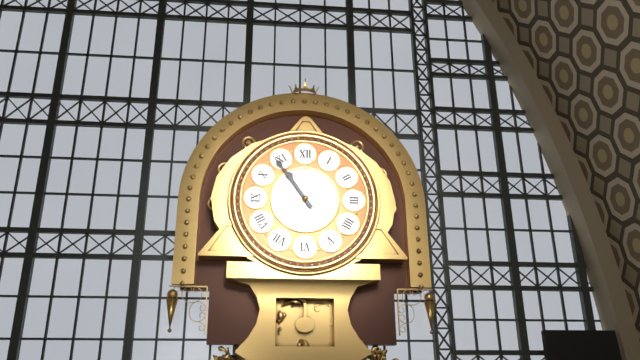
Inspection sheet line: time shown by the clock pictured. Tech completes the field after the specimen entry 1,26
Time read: 10,54
